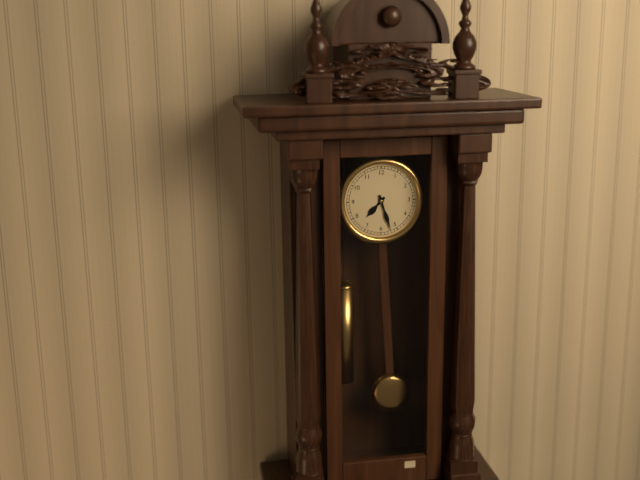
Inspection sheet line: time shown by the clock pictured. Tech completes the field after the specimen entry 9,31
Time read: 7,27
